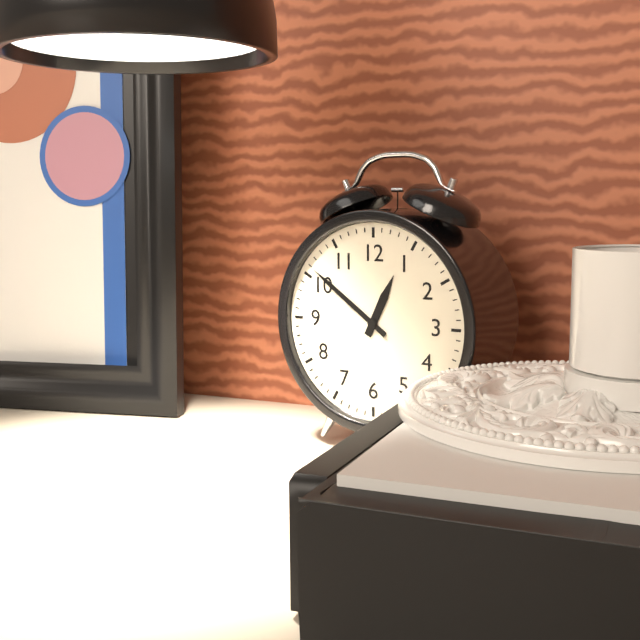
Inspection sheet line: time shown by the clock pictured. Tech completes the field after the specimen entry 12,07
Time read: 12,51
